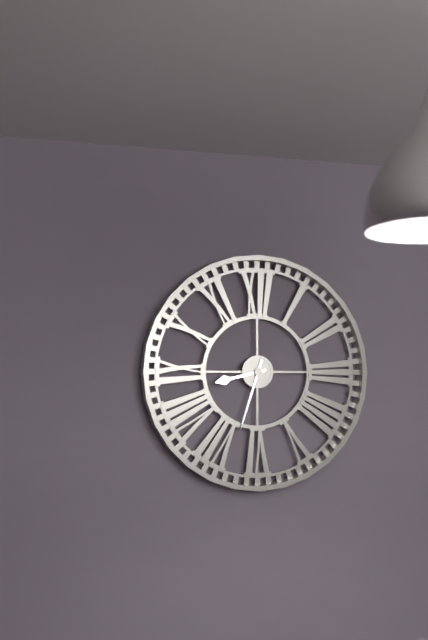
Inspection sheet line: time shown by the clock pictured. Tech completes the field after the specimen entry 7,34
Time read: 8,33
